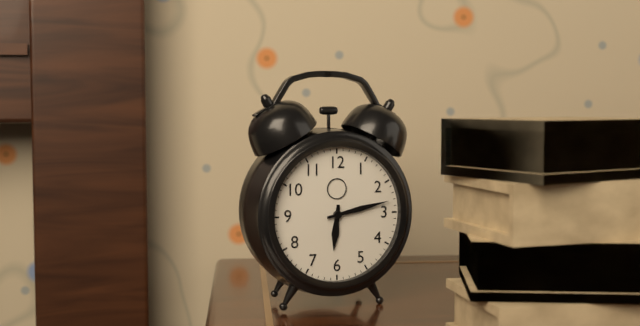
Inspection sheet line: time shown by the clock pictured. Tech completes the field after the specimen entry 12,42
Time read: 6,13
